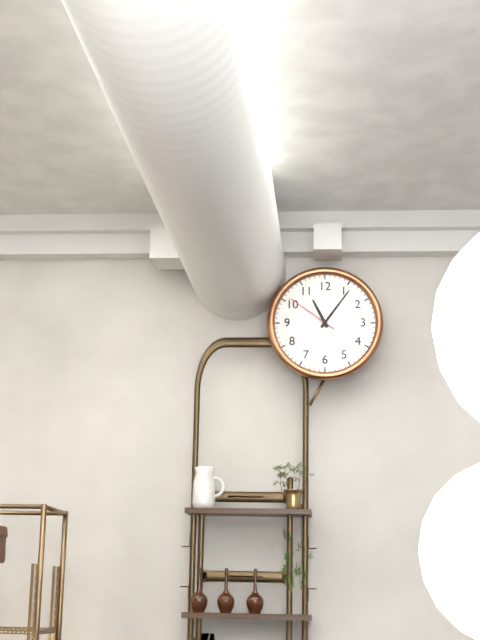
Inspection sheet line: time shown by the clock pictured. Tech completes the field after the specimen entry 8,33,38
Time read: 11,06,51
